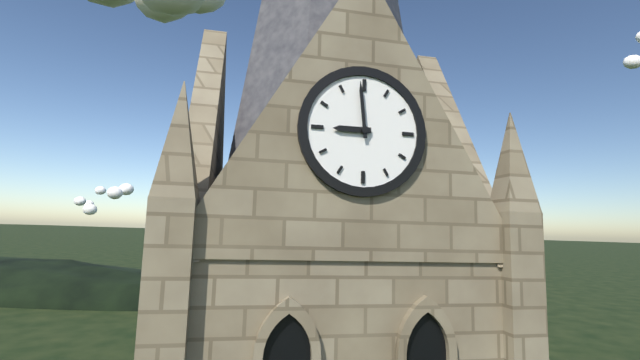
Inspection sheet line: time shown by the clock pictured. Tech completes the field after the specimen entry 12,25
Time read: 8,59
